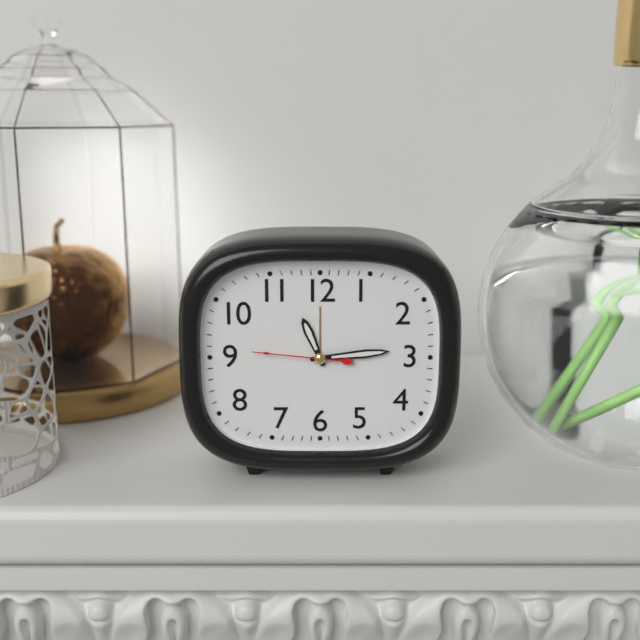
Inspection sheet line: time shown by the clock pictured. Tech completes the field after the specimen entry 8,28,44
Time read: 11,14,46
